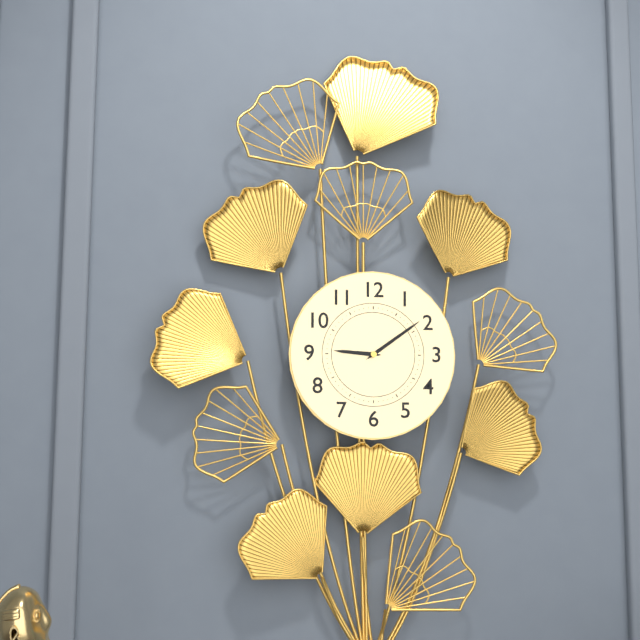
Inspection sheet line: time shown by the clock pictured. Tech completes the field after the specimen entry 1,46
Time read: 9,09
